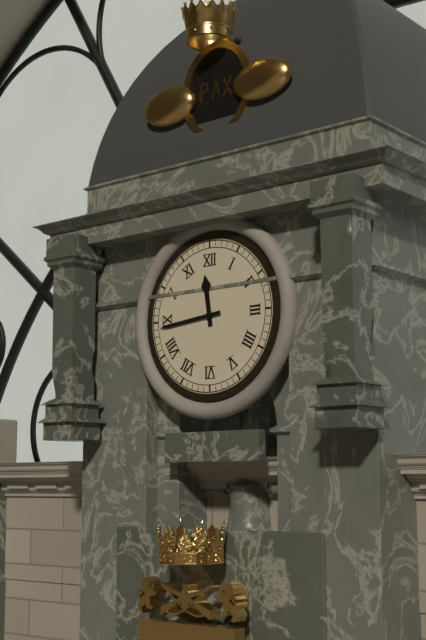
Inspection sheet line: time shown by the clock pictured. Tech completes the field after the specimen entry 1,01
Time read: 11,44
